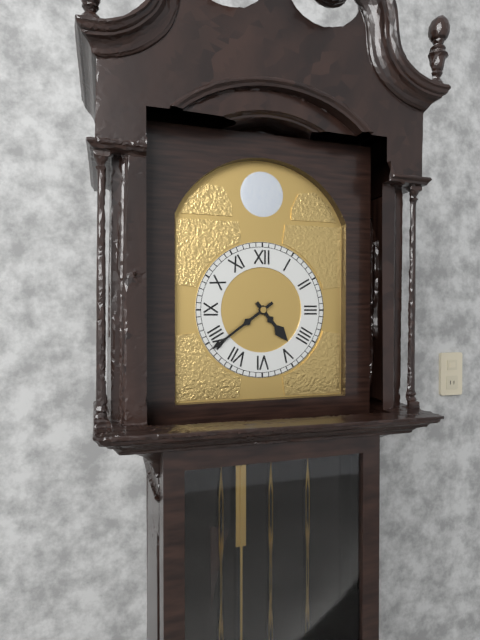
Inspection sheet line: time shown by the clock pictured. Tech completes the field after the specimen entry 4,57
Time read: 4,39
